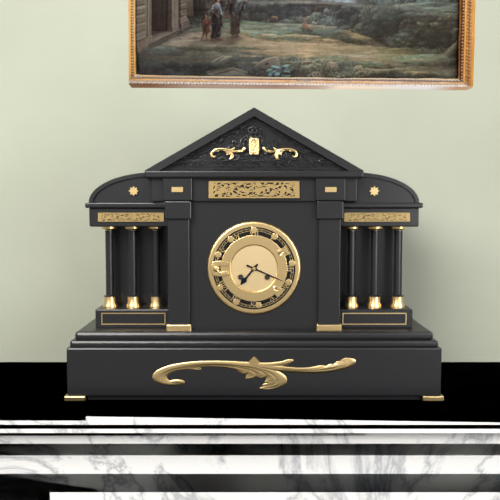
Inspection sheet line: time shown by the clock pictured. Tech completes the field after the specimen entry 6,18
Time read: 7,19
